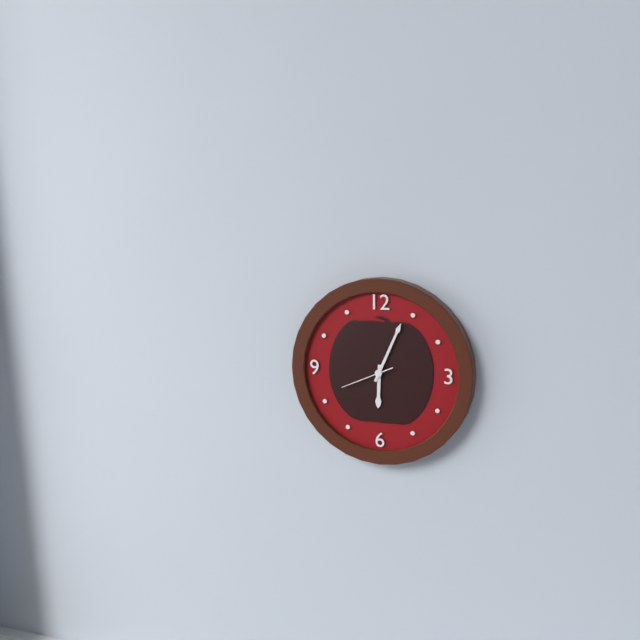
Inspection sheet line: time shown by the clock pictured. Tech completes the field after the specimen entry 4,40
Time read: 6,04
